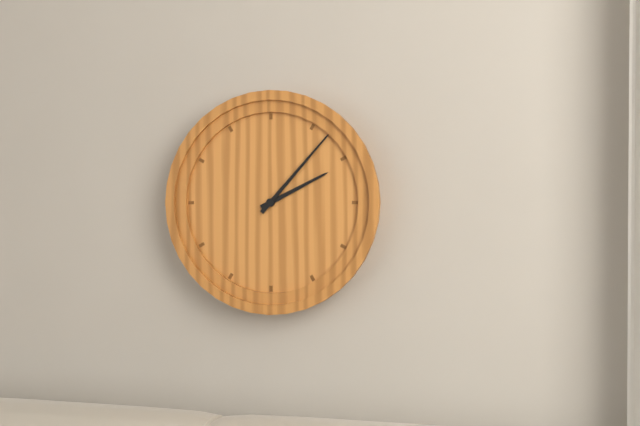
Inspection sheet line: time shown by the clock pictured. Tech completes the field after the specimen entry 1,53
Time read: 2,07
